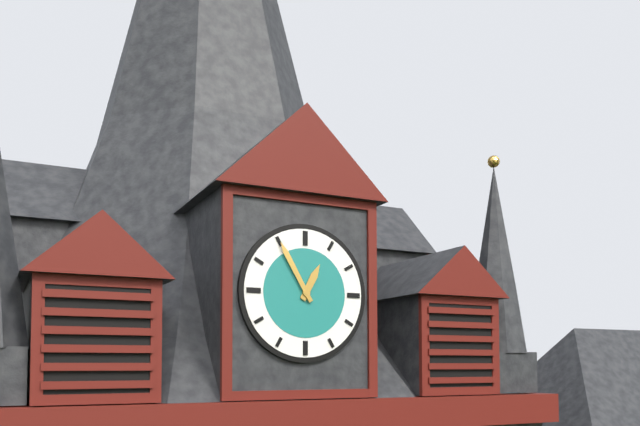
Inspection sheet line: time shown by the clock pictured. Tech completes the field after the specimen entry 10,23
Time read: 12,55
